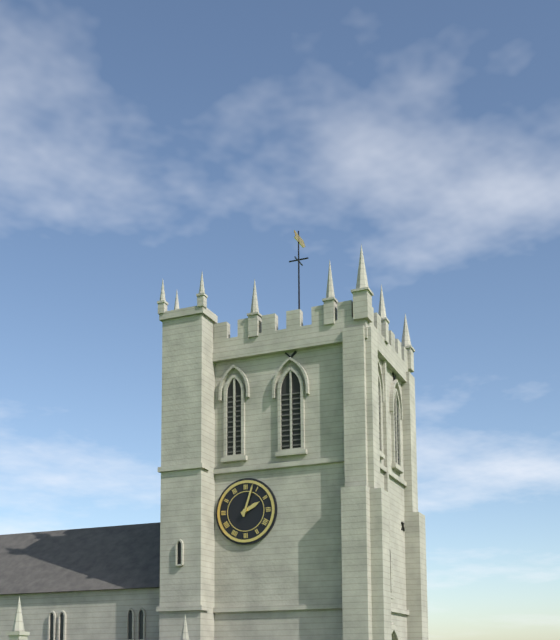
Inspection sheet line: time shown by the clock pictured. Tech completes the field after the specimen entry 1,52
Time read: 2,03
